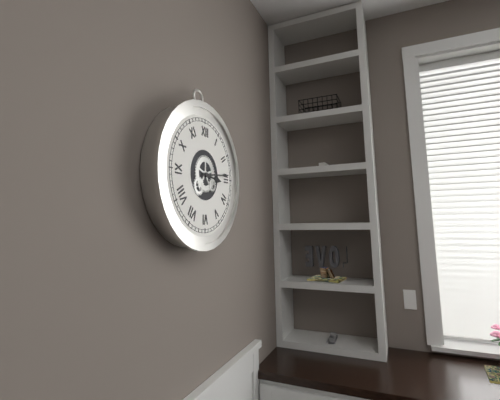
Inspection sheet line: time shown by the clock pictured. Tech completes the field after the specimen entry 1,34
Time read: 3,14
